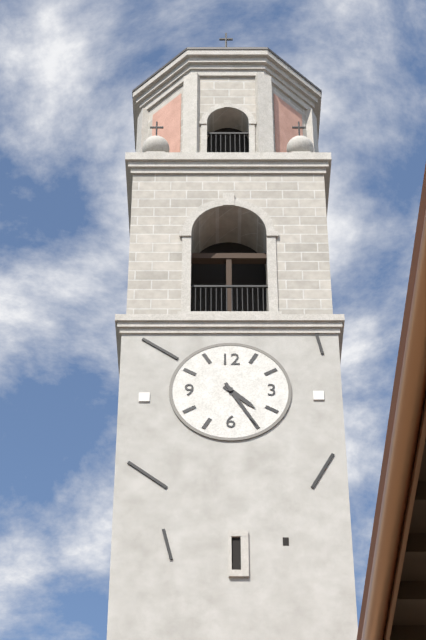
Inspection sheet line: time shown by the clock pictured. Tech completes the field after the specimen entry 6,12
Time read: 4,25
